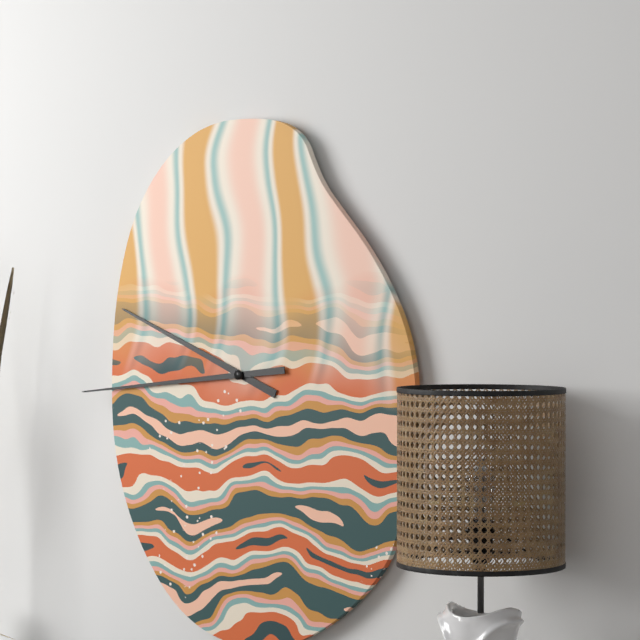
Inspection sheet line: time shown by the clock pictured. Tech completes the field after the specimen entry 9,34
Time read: 9,44
